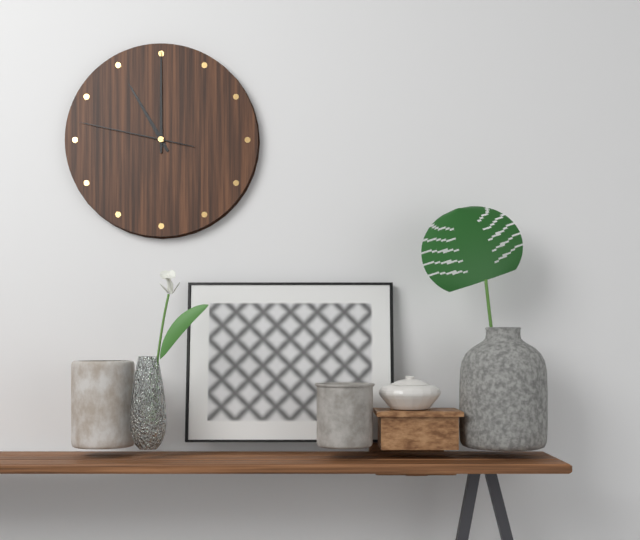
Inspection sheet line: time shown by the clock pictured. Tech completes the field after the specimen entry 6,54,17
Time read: 11,00,47
